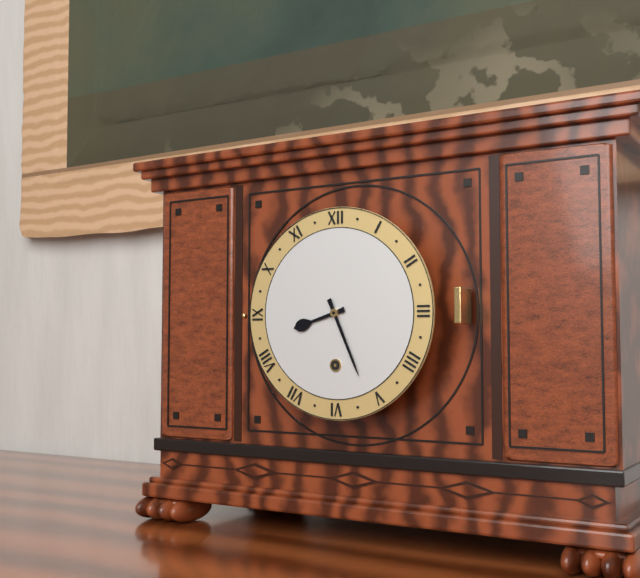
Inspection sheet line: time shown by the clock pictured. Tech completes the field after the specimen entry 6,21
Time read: 8,26
